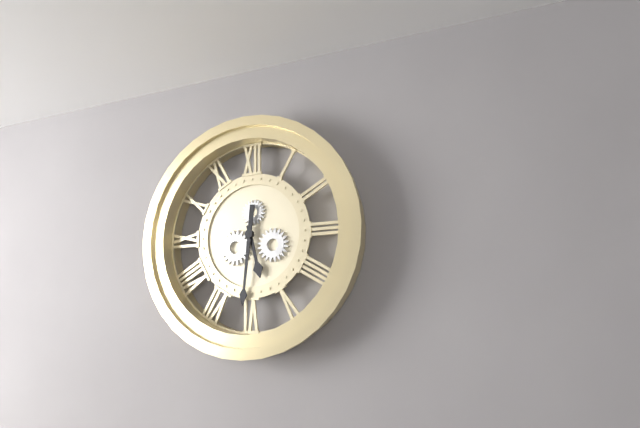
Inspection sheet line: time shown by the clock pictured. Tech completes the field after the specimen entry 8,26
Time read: 5,31
